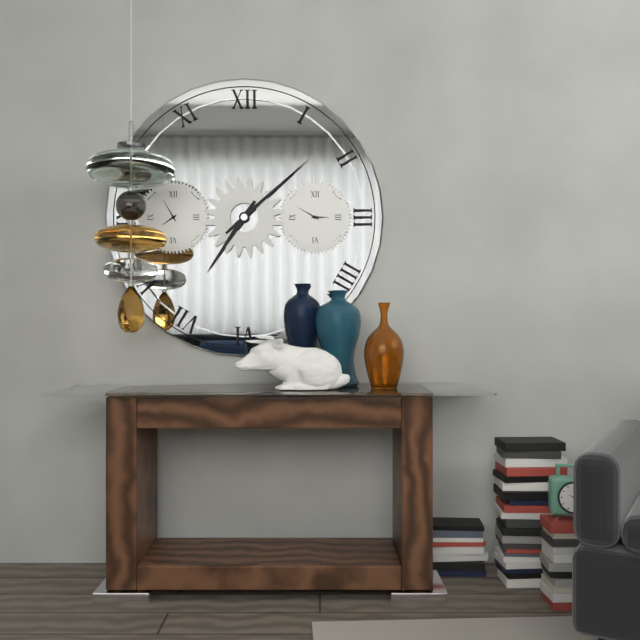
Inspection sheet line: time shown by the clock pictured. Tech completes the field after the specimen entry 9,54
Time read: 7,08
